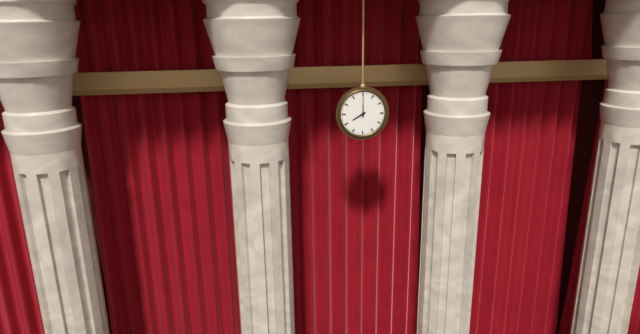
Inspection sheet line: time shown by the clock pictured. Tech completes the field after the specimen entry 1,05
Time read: 8,00
